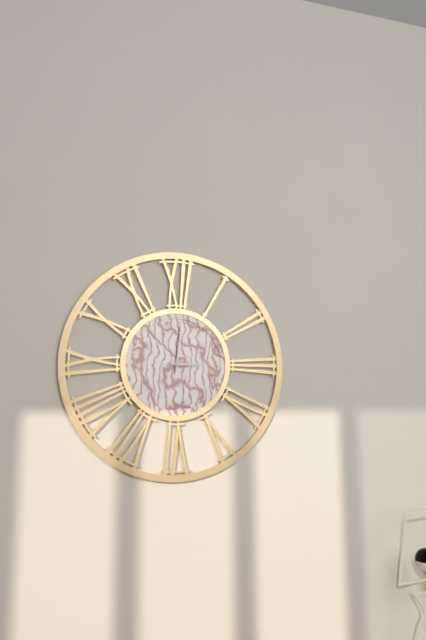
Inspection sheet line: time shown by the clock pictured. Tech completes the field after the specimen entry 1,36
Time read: 3,01
